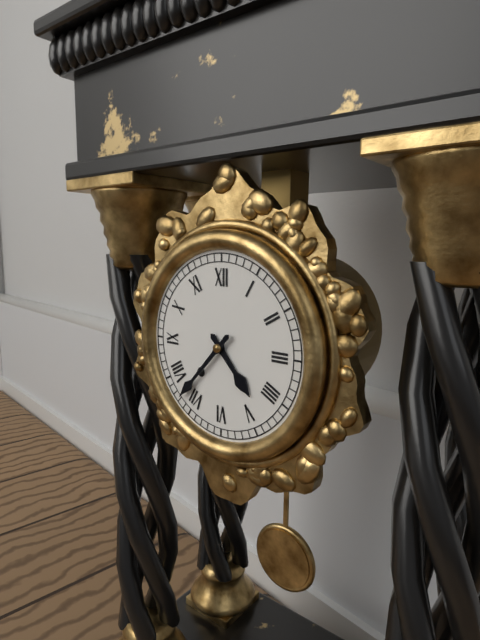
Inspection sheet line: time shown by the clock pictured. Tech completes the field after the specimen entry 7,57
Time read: 4,37
